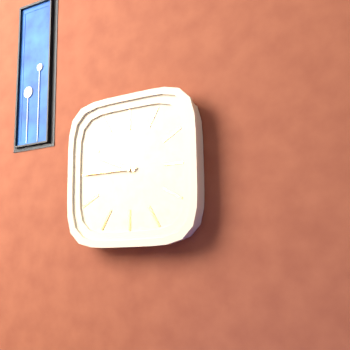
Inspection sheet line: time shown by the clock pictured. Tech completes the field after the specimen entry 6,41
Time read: 9,45
